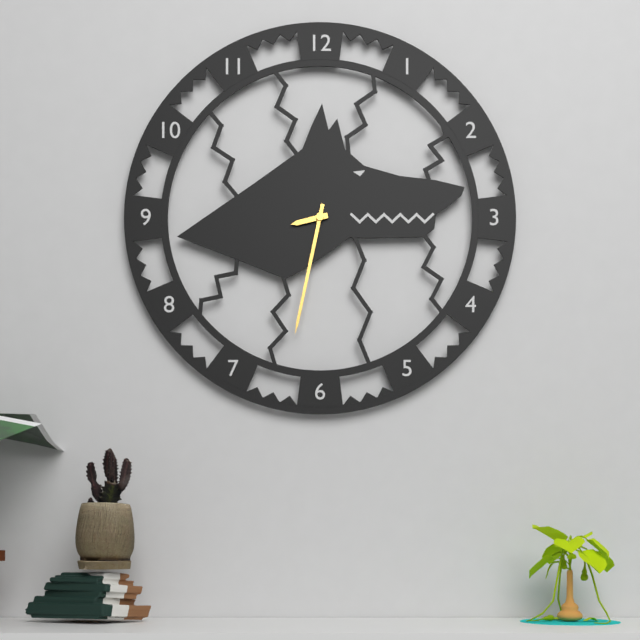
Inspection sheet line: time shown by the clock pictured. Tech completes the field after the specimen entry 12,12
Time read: 8,32
